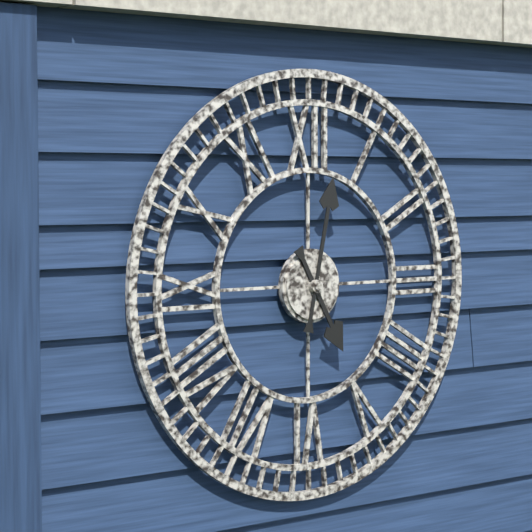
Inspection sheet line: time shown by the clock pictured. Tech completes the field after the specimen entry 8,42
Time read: 5,02
